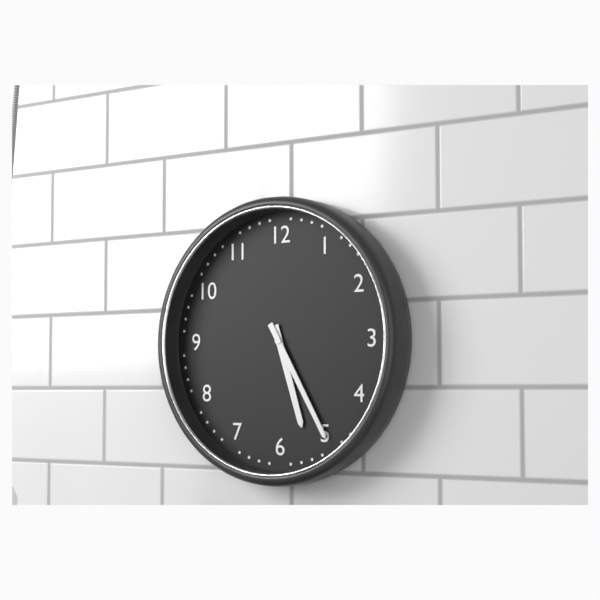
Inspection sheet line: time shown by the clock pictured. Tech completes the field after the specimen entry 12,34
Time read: 5,25
